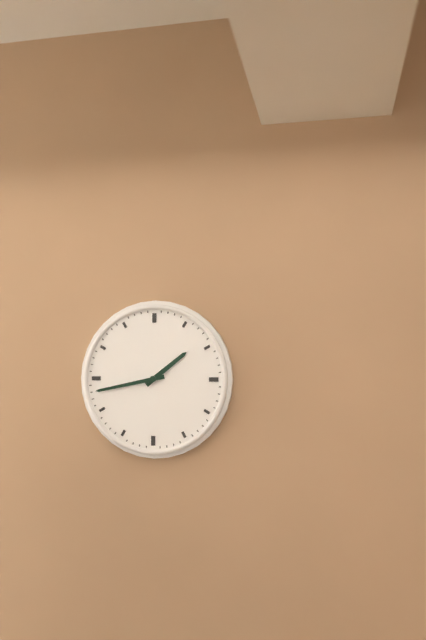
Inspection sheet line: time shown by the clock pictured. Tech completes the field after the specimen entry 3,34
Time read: 1,43
